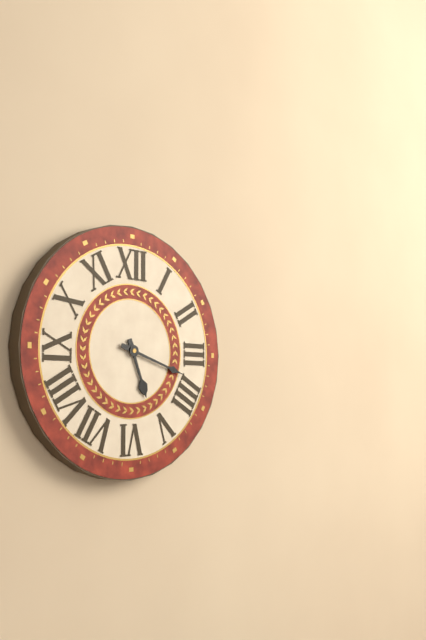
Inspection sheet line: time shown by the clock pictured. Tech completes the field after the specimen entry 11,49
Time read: 5,18
